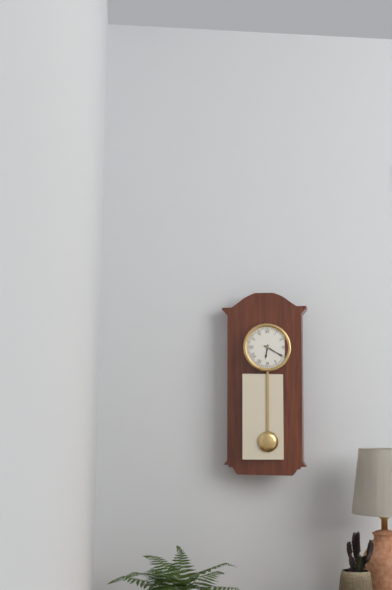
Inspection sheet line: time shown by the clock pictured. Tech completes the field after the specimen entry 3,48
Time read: 6,20
